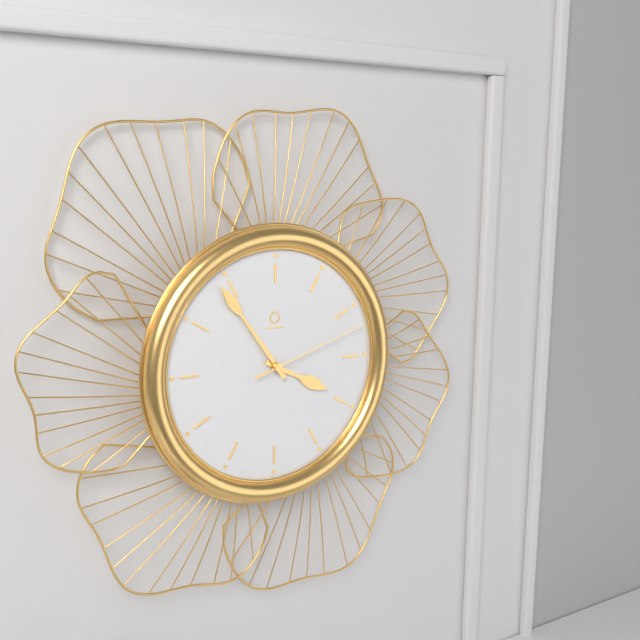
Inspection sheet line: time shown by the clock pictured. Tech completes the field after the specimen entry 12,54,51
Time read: 3,54,12
